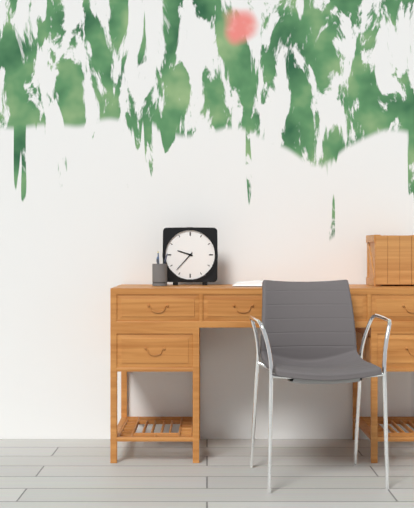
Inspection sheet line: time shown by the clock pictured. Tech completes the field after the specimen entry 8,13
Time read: 9,37
